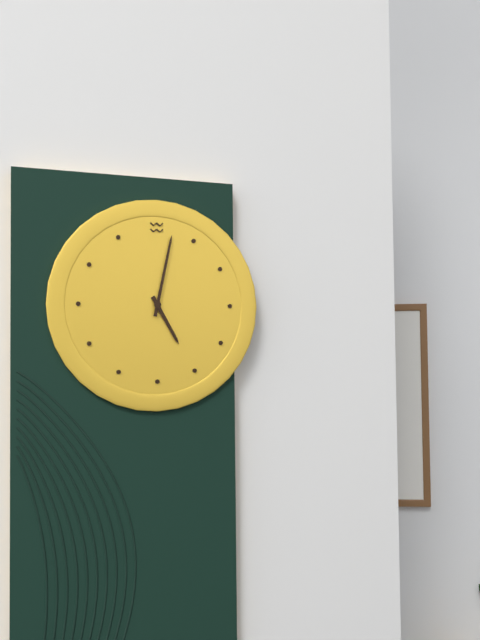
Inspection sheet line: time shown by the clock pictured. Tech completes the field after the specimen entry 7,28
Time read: 5,02
